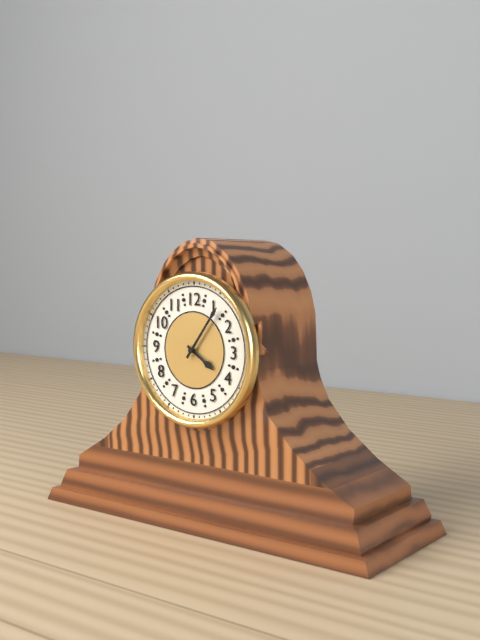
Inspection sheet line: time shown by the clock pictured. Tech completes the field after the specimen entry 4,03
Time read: 4,06
